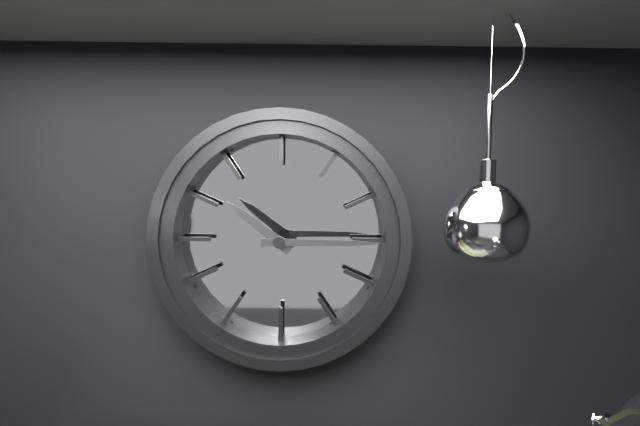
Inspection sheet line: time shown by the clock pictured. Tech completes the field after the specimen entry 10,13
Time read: 10,15
